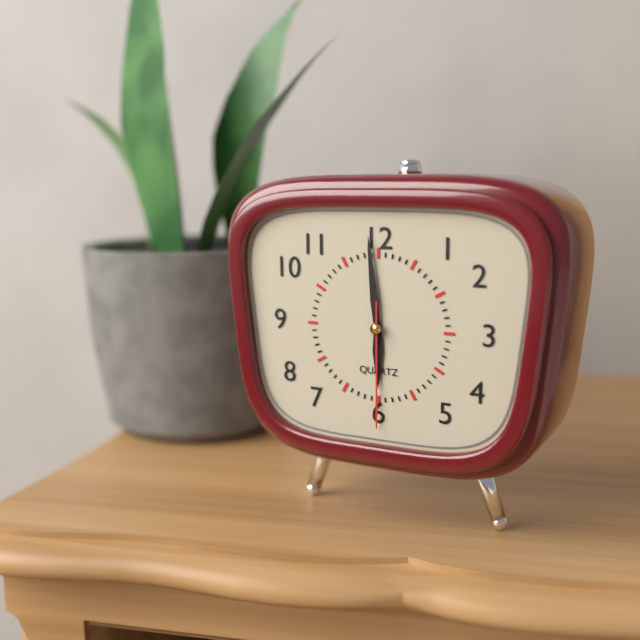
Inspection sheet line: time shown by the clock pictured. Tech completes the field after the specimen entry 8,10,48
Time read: 5,59,30
